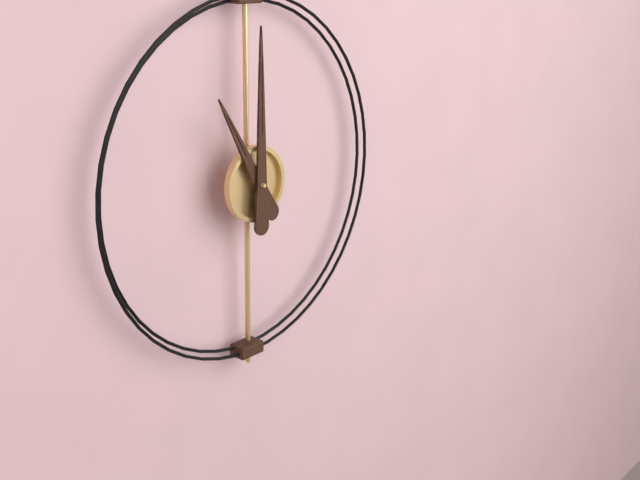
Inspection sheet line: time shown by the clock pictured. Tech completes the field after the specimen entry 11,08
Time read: 11,00
